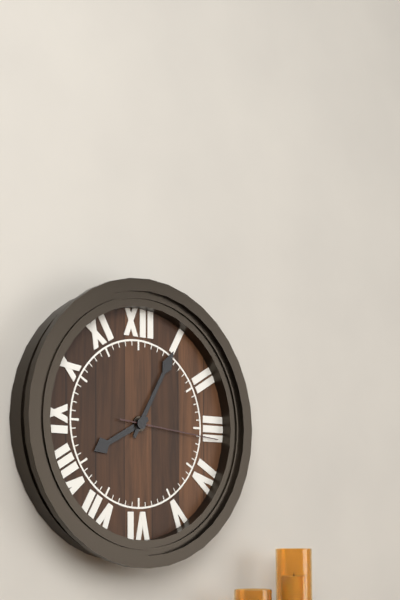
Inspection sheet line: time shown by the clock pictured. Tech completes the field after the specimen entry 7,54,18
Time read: 8,05,16
